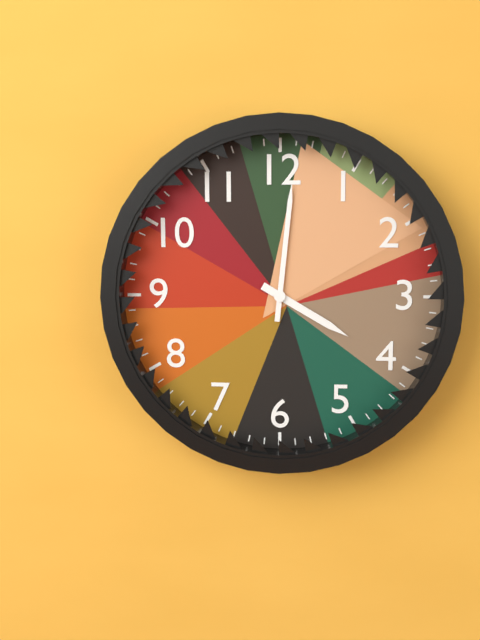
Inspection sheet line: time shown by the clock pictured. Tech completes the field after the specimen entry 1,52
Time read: 4,01
